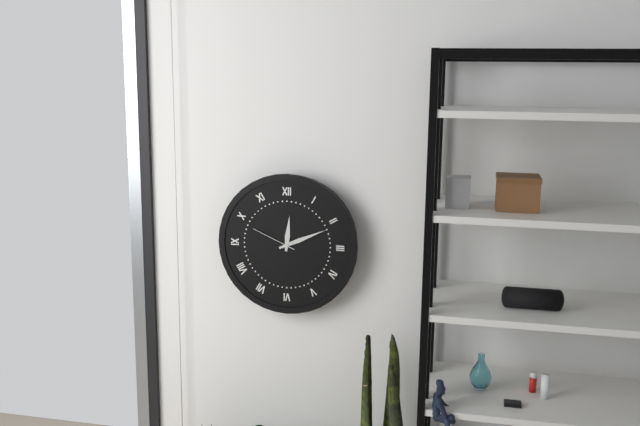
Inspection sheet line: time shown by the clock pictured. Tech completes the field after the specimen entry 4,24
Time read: 12,11
